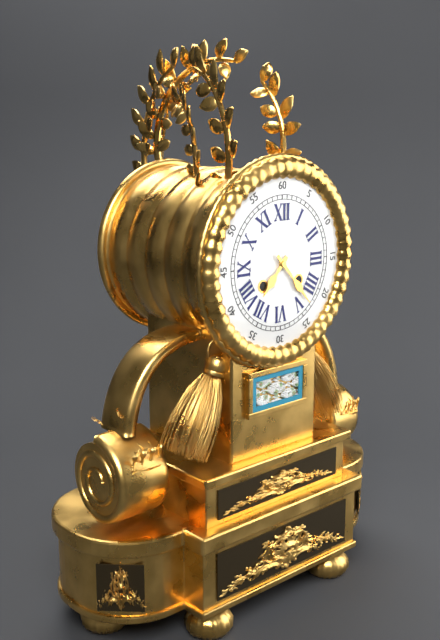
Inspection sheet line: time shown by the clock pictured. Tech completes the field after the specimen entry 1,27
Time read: 7,23
